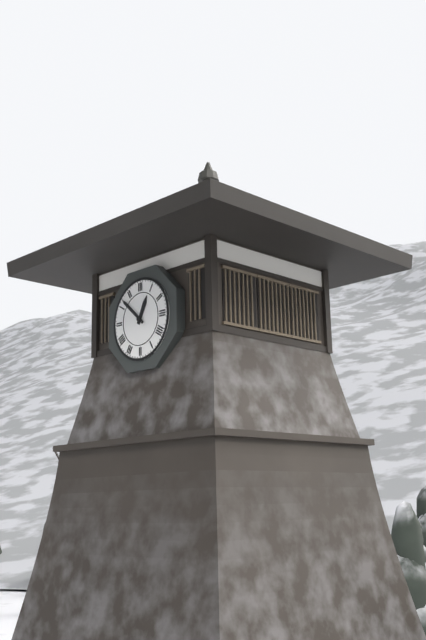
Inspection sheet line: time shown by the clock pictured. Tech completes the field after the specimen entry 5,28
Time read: 12,52
